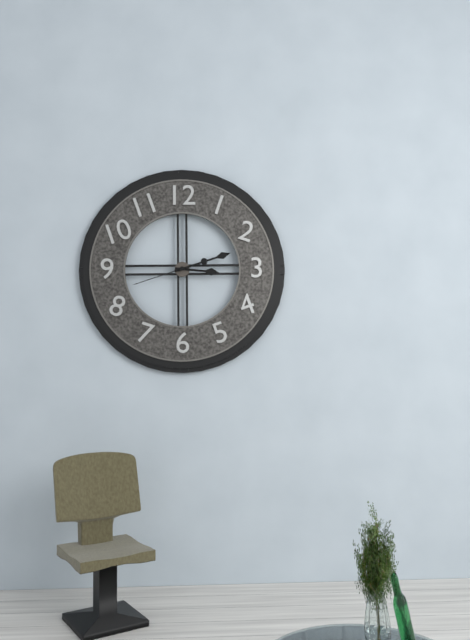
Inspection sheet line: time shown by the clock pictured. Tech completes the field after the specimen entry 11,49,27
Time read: 3,12,42
